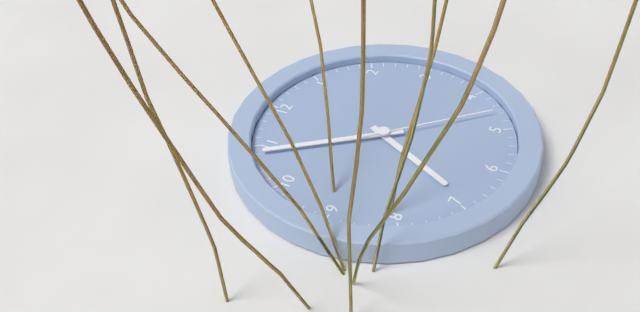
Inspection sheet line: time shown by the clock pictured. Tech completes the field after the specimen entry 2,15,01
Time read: 6,54,23
